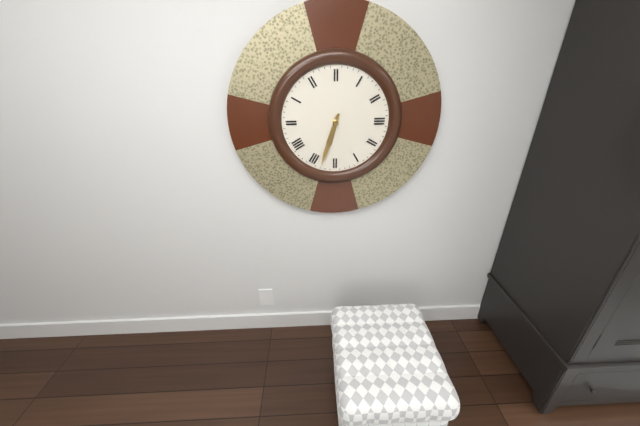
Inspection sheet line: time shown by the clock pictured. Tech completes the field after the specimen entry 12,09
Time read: 6,33
